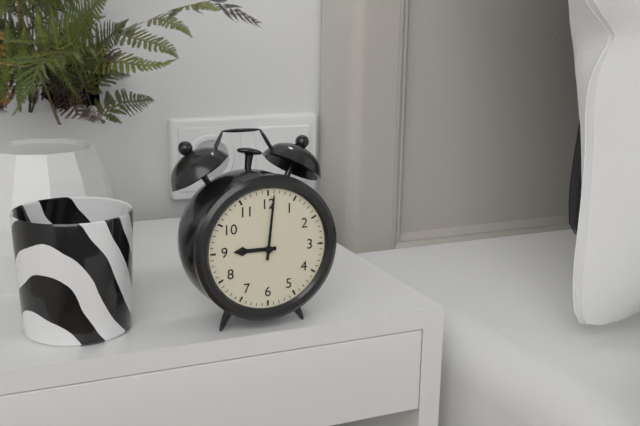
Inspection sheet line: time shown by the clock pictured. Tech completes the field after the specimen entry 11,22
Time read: 9,01
